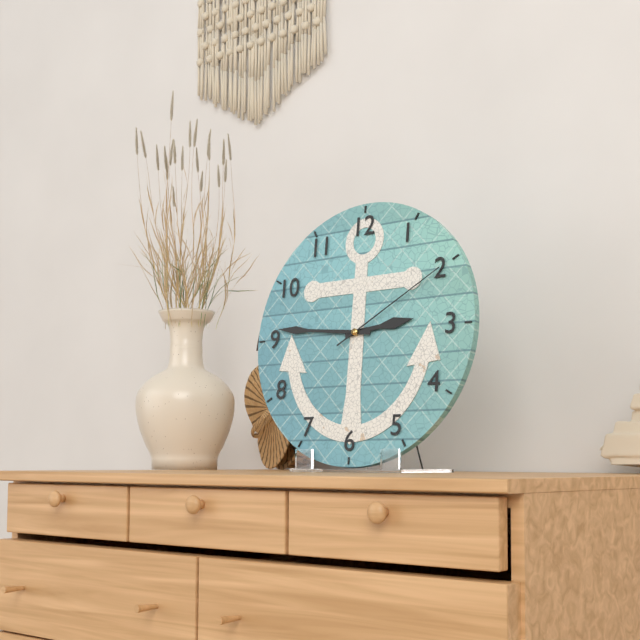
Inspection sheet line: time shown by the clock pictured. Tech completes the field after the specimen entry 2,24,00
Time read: 2,46,10
